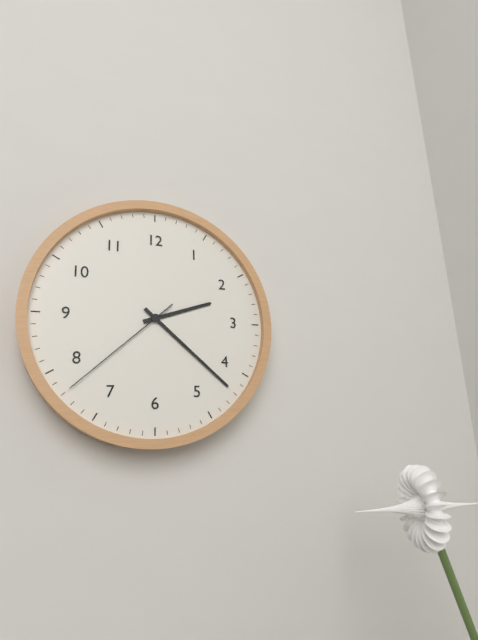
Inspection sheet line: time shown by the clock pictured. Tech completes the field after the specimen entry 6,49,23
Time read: 2,22,38
